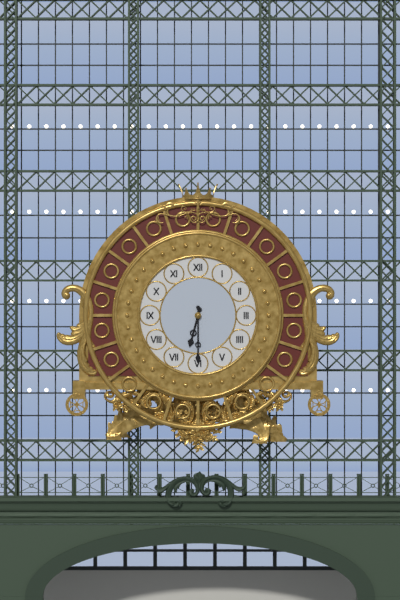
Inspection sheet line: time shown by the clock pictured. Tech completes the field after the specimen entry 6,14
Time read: 6,30
